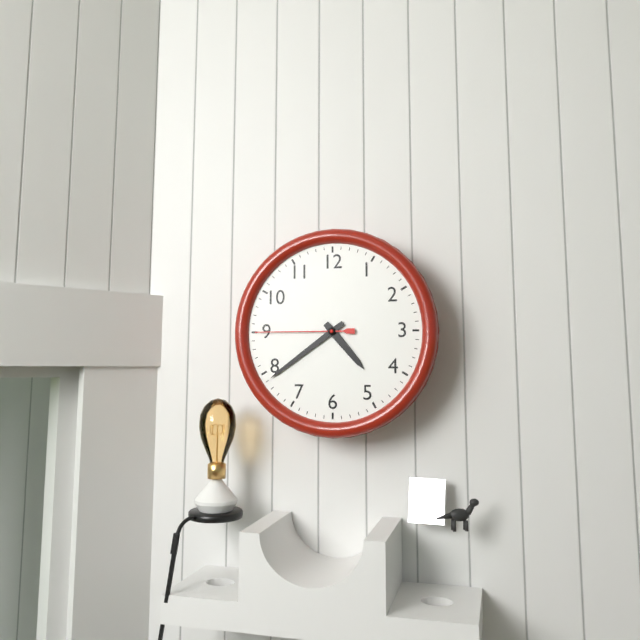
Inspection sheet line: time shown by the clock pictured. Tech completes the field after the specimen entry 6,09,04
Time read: 4,39,45
